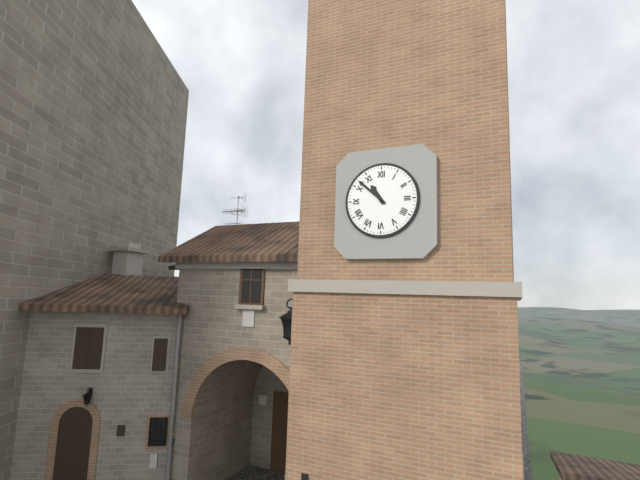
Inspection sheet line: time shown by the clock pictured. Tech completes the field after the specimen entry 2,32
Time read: 10,52
